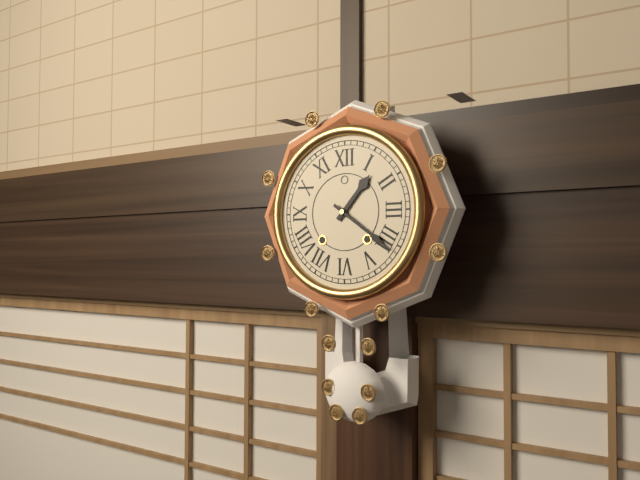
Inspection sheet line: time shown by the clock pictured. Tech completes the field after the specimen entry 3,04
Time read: 1,21
